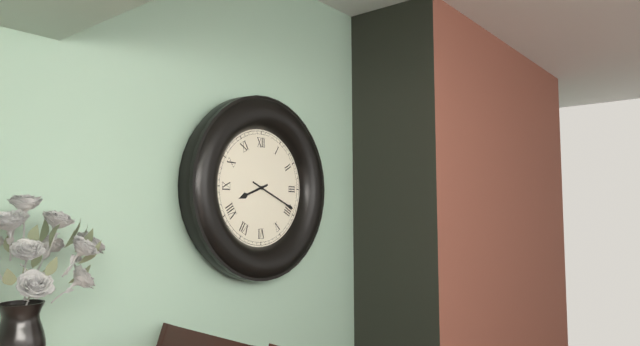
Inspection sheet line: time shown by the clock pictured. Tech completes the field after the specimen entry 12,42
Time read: 8,19
